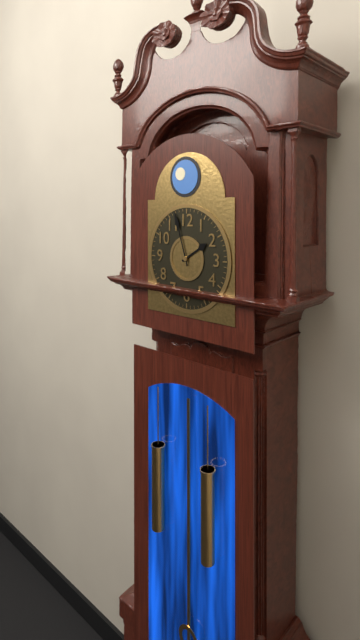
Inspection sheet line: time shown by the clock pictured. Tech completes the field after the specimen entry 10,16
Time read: 1,57
